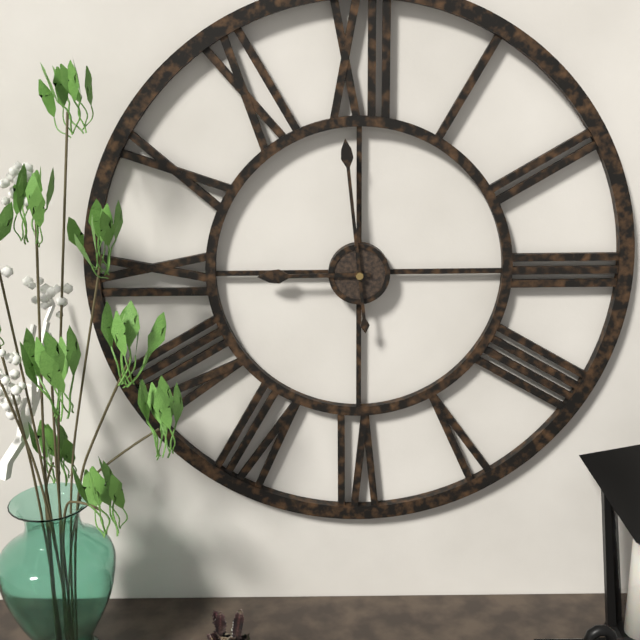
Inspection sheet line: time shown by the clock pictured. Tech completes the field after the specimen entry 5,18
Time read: 8,59
